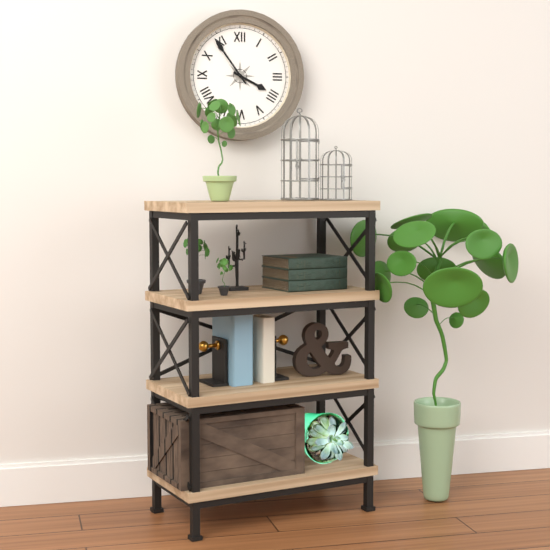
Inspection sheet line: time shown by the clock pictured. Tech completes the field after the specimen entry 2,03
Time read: 3,54
